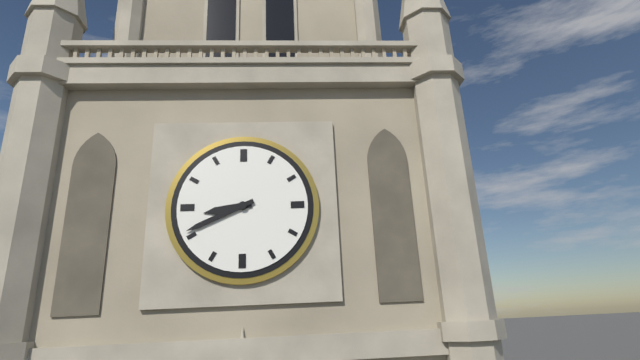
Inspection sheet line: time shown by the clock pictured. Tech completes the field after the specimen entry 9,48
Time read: 8,41
